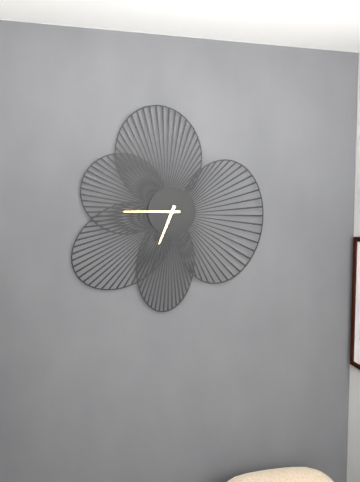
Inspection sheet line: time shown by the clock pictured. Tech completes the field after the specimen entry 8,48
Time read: 6,45
